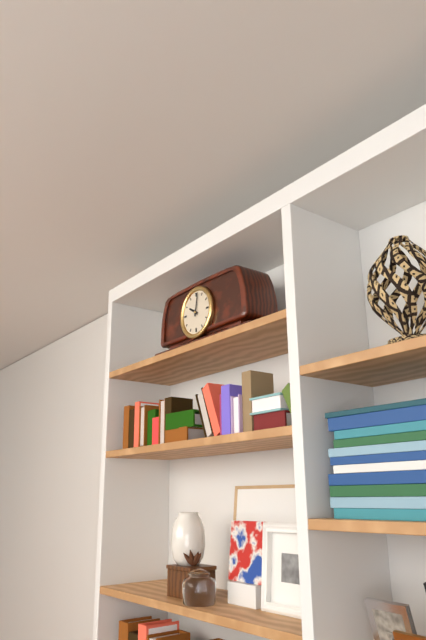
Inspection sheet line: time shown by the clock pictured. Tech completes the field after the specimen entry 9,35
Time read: 10,02
